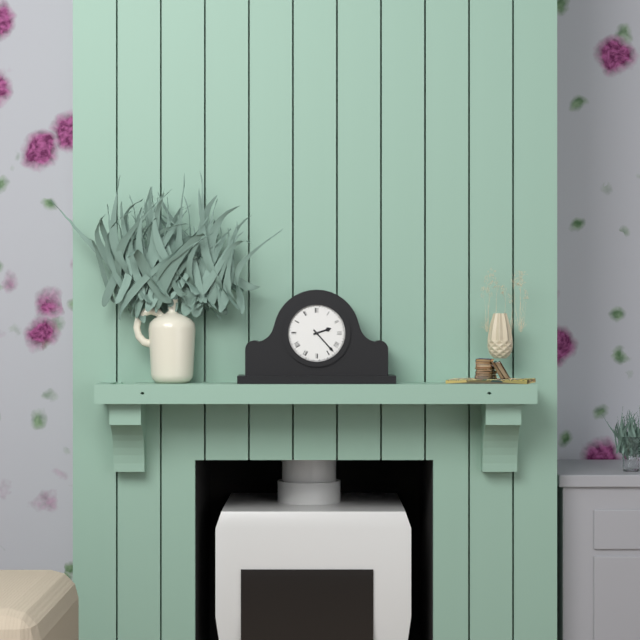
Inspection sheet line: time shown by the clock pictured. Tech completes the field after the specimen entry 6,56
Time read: 2,23
